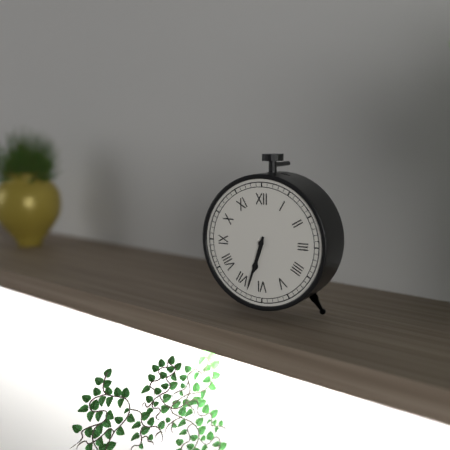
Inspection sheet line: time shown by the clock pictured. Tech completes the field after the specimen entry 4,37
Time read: 6,33
